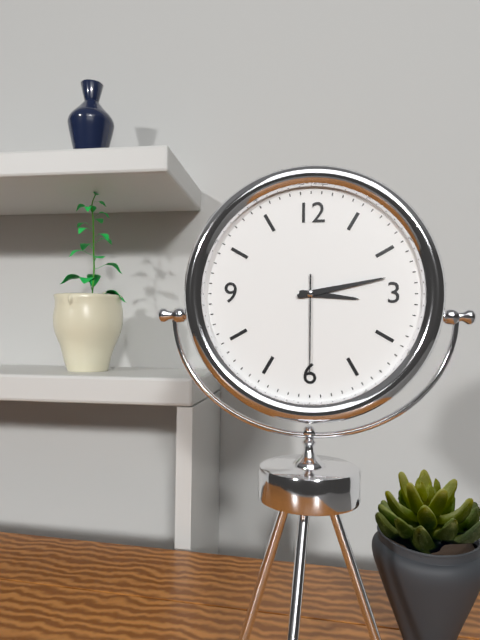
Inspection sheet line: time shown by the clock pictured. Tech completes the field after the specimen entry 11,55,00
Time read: 3,13,30
